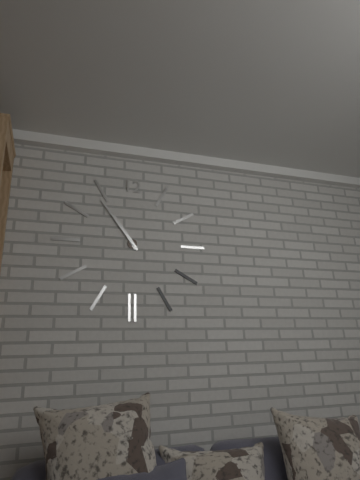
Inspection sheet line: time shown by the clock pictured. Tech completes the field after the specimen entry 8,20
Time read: 10,54
